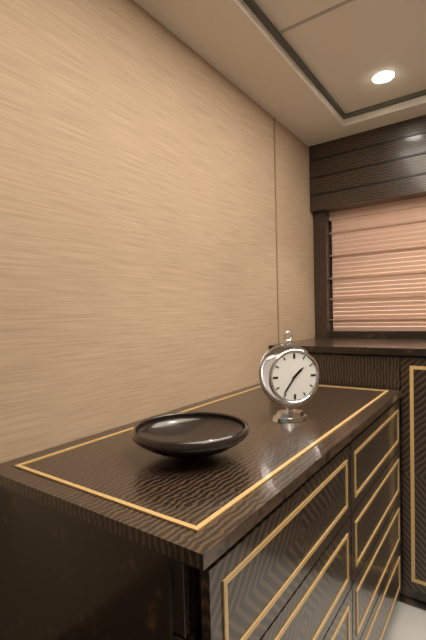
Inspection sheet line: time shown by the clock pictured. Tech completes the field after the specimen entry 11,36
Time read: 1,36
